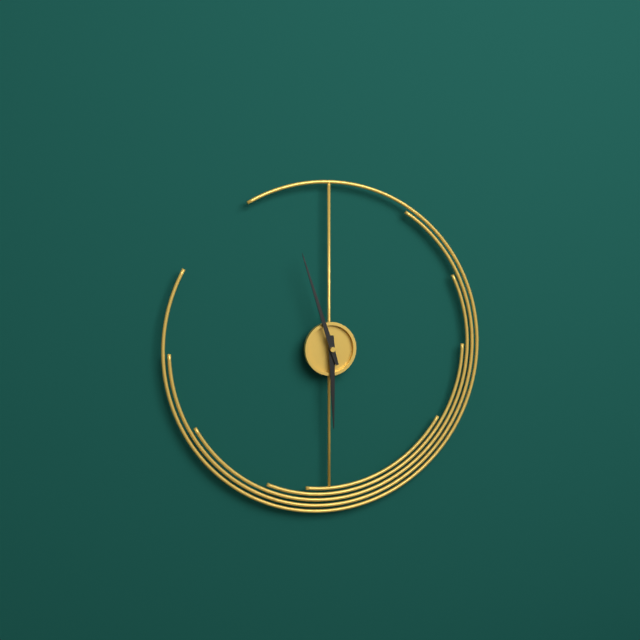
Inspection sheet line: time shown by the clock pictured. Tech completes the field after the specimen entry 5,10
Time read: 5,57
